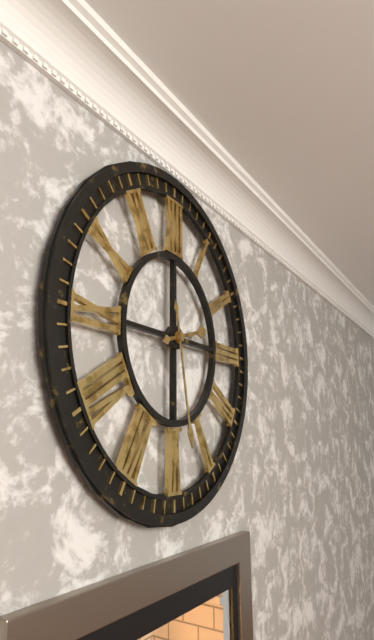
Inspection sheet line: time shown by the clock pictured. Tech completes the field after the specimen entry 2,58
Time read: 2,28
